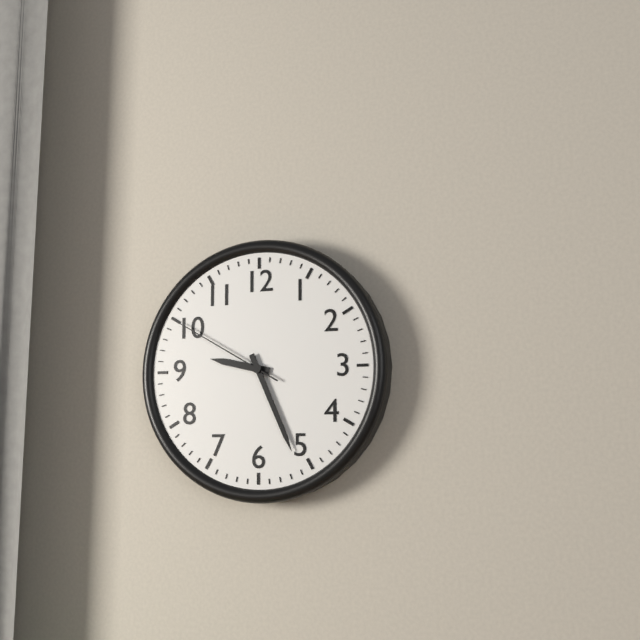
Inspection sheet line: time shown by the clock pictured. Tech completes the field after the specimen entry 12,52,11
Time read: 9,26,50
